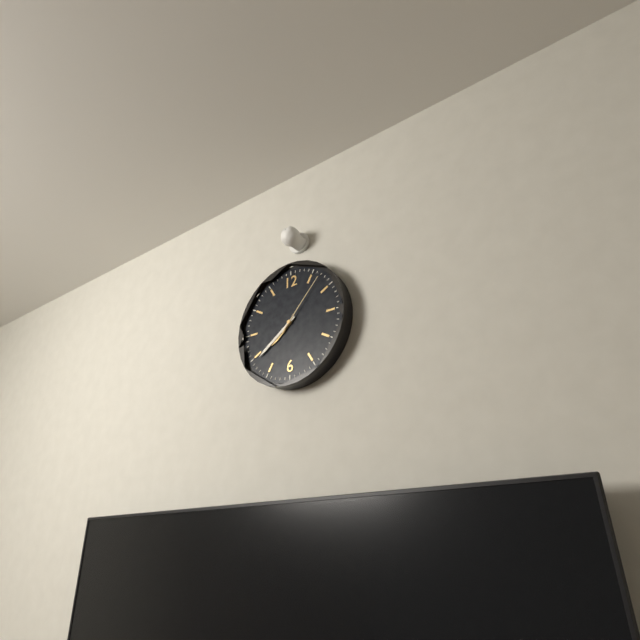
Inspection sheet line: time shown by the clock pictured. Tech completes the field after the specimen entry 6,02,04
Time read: 7,39,07
